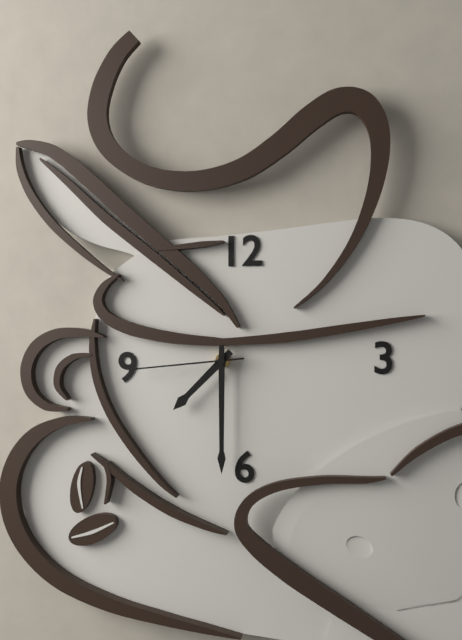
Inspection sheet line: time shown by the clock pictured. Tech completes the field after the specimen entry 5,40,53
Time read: 7,30,44
